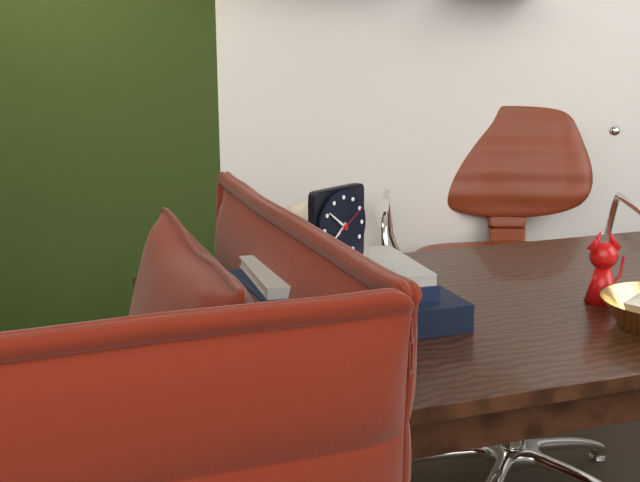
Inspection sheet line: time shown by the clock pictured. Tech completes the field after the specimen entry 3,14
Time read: 7,51
